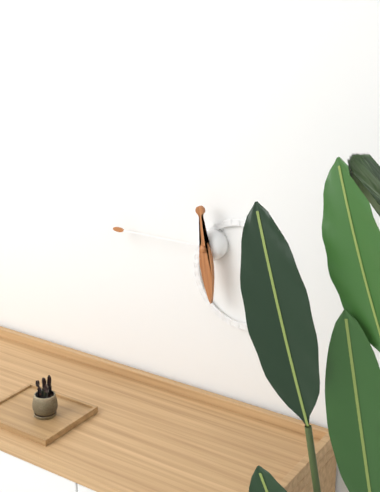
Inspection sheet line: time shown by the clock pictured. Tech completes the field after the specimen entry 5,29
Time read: 5,45
